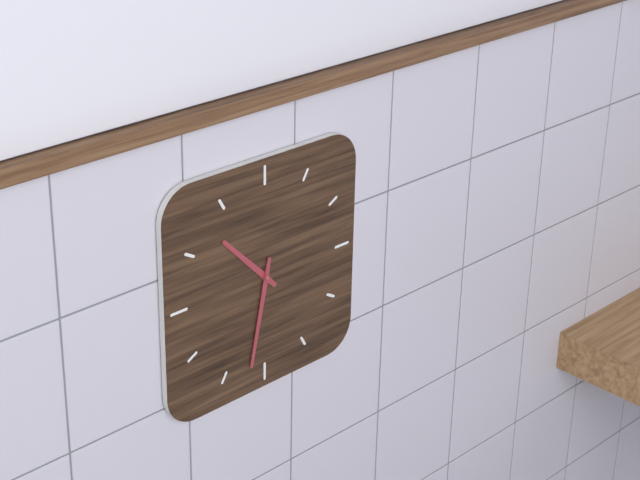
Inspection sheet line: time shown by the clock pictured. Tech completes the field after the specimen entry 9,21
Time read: 10,32
